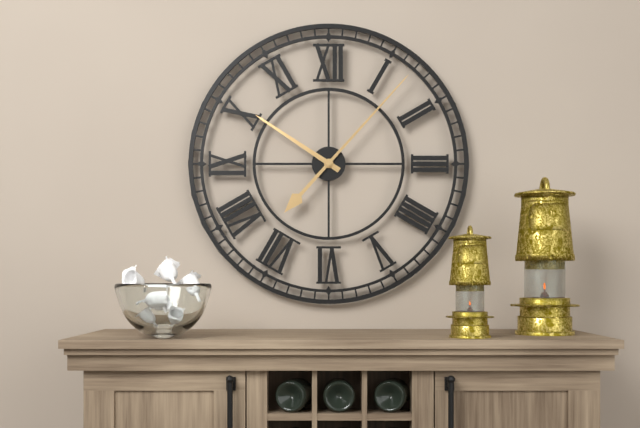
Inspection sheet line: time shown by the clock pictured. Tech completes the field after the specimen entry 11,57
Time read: 10,07
